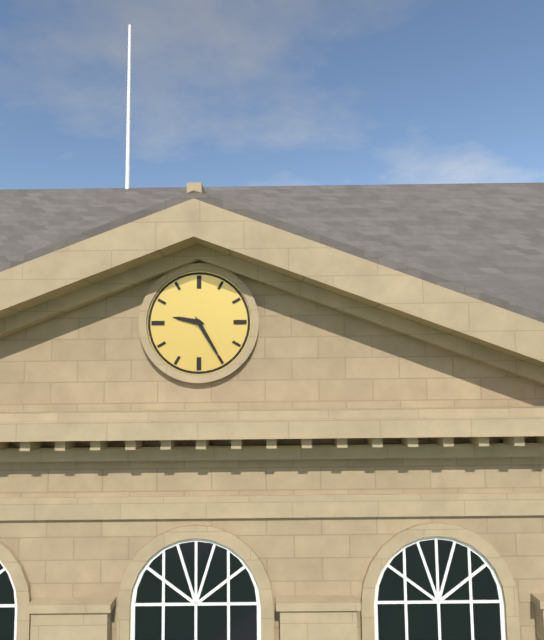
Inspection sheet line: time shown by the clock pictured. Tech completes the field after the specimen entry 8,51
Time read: 9,25
